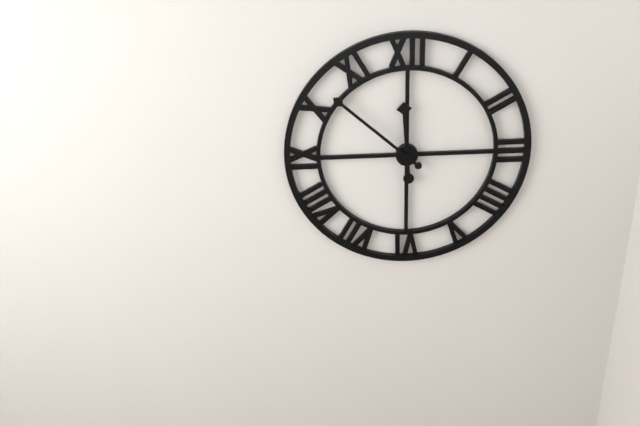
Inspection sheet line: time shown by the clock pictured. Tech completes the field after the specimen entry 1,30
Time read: 11,52
